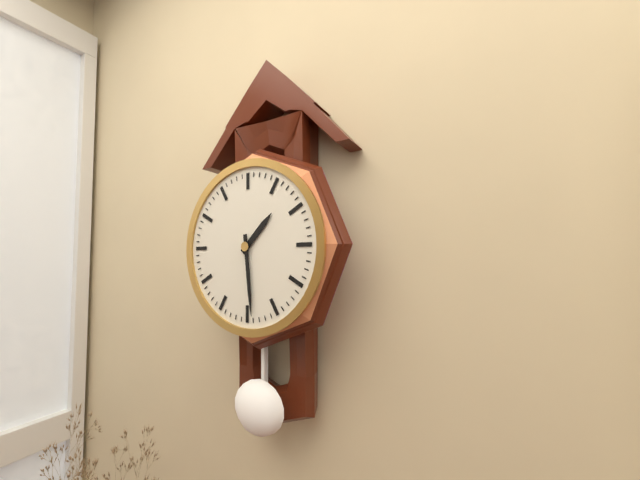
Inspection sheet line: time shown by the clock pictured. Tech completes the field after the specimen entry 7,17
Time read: 1,29
